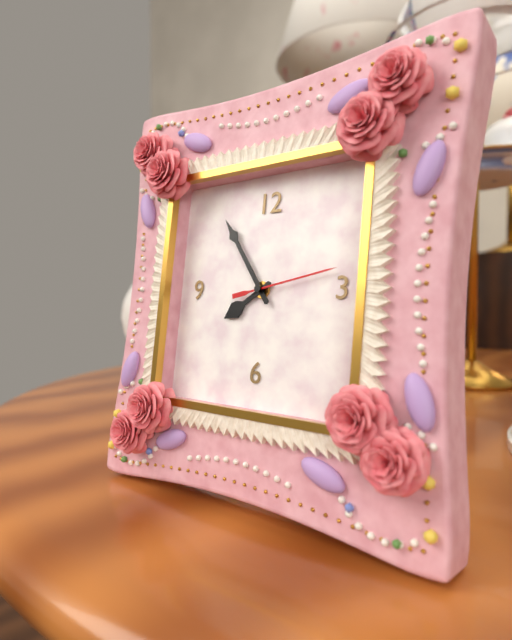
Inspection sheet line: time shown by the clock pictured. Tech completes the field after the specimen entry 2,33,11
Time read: 7,54,13
